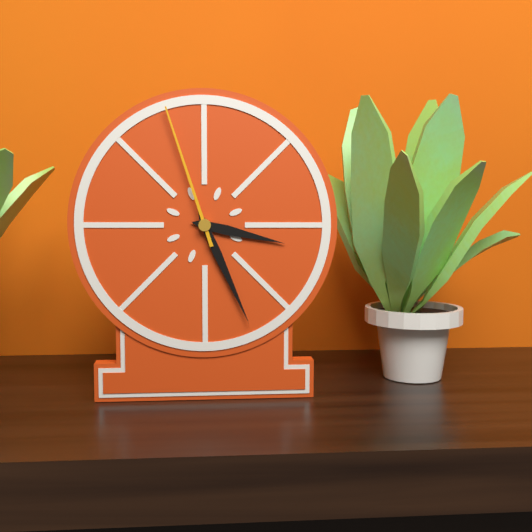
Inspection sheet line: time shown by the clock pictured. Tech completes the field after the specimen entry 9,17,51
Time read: 3,26,57
